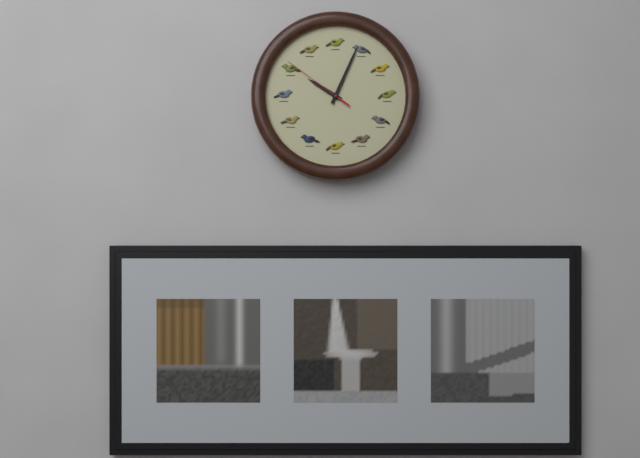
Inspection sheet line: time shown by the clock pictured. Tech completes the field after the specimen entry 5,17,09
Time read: 10,04,51
